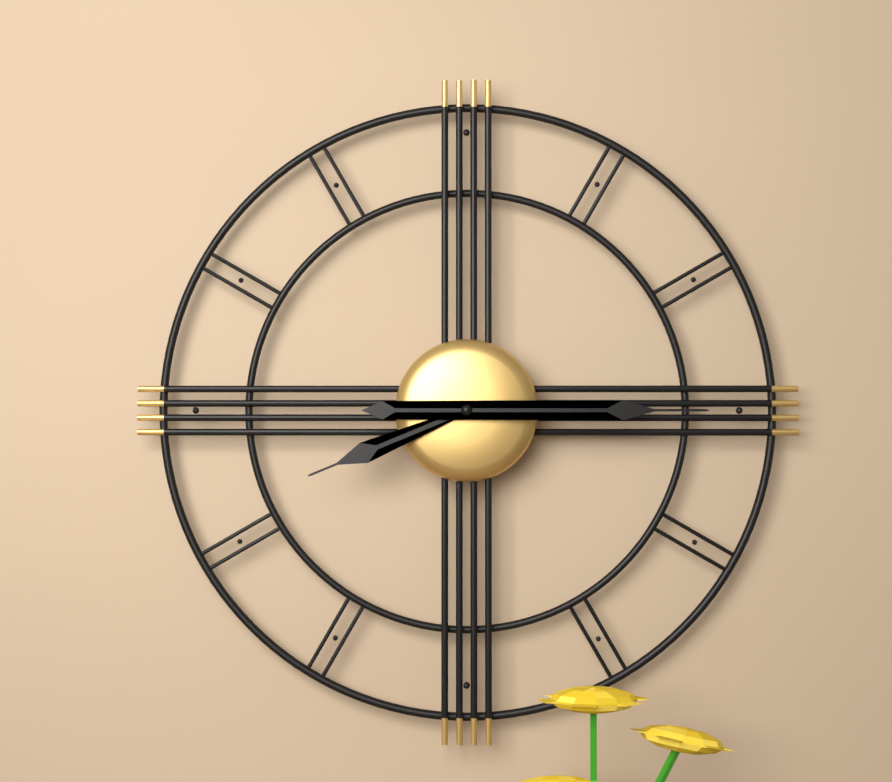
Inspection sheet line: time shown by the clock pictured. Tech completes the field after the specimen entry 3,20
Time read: 8,15
